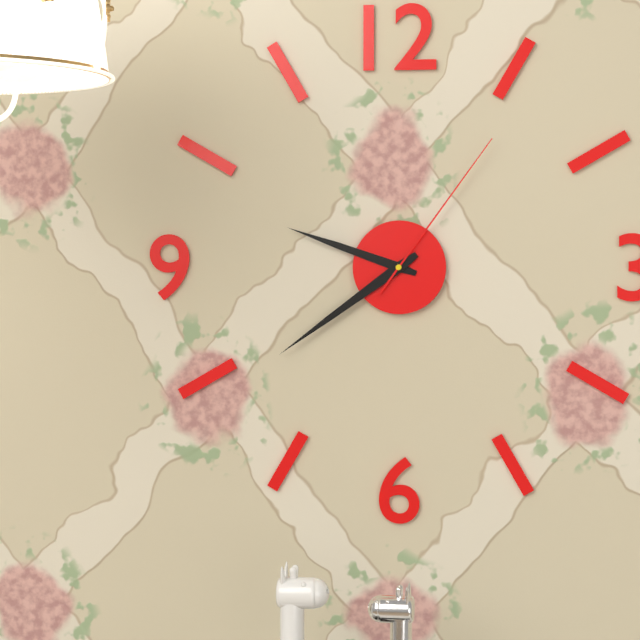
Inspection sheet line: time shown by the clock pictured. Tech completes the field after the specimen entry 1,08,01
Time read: 9,39,06
